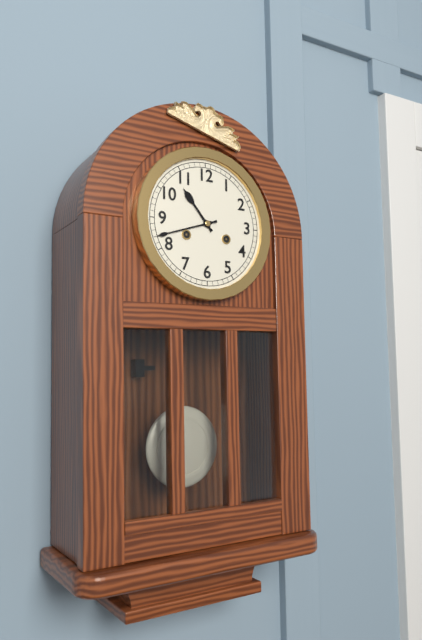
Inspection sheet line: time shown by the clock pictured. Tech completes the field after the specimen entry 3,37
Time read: 10,42
